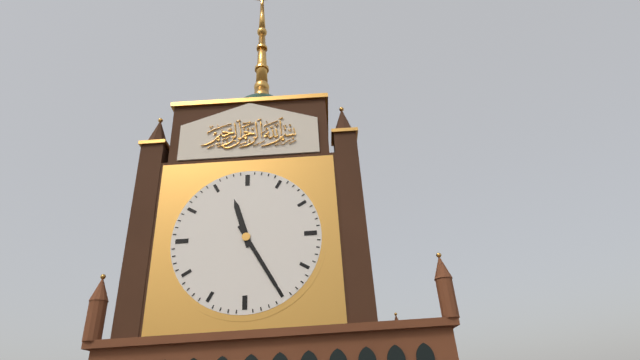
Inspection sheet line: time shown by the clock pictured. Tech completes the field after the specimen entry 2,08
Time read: 11,25
